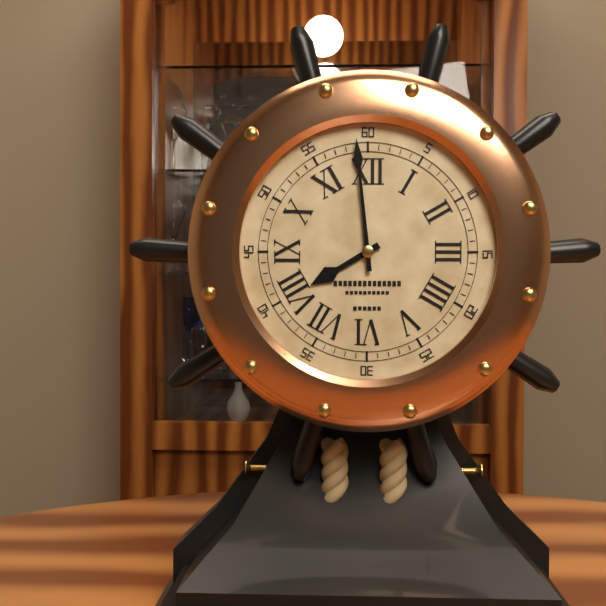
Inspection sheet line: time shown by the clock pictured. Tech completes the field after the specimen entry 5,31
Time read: 7,59
